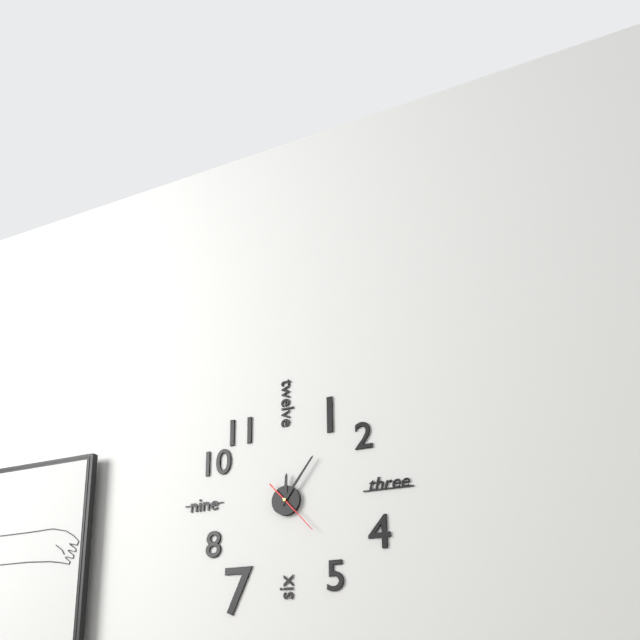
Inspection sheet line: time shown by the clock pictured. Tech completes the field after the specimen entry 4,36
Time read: 12,06
